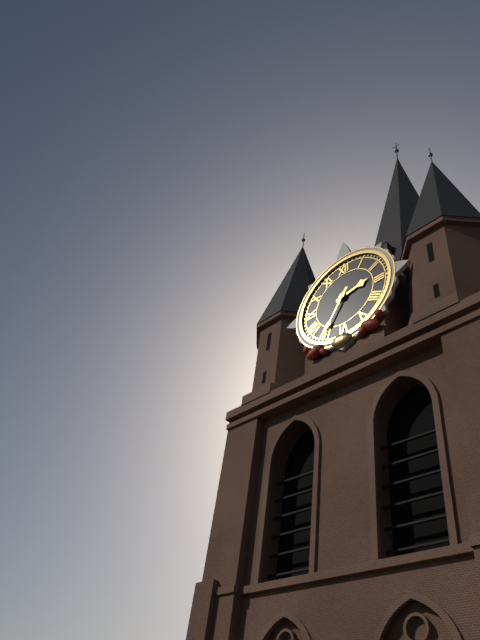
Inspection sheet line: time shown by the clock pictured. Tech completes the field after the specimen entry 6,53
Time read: 2,35
